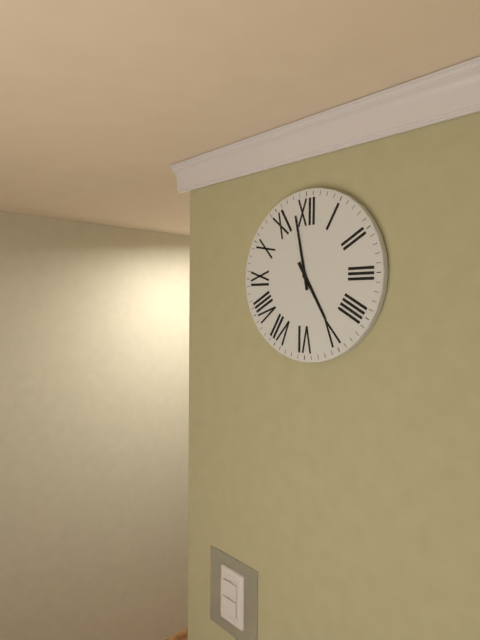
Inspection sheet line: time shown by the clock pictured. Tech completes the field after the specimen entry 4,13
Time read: 4,58
